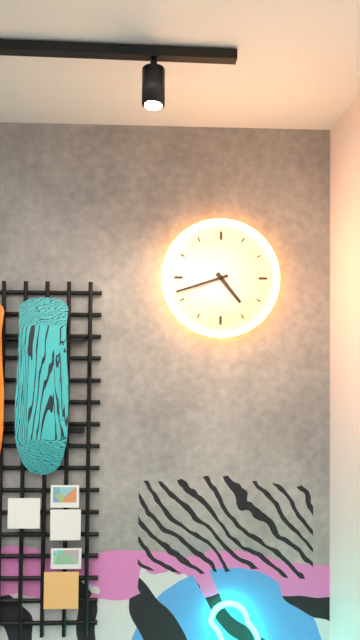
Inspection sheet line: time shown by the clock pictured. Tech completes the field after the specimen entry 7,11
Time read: 4,42
